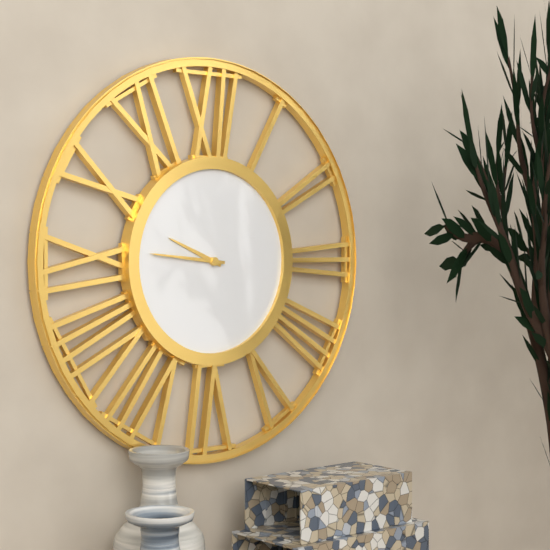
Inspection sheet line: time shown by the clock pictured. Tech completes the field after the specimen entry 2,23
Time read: 9,46
